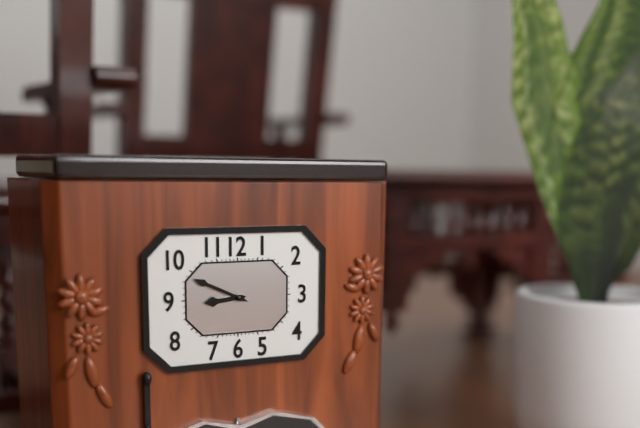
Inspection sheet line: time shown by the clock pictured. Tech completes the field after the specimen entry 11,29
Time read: 8,49
